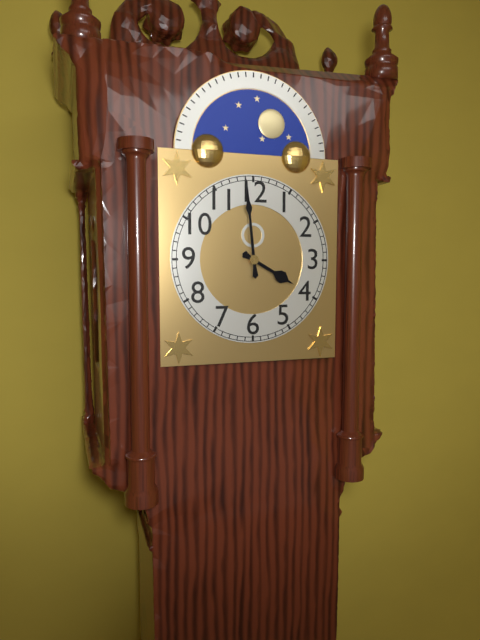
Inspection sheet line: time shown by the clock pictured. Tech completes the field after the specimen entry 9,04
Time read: 3,59
